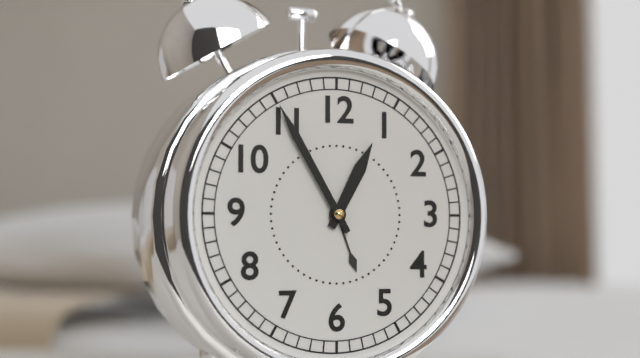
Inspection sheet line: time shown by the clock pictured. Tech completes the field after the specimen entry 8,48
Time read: 12,55
